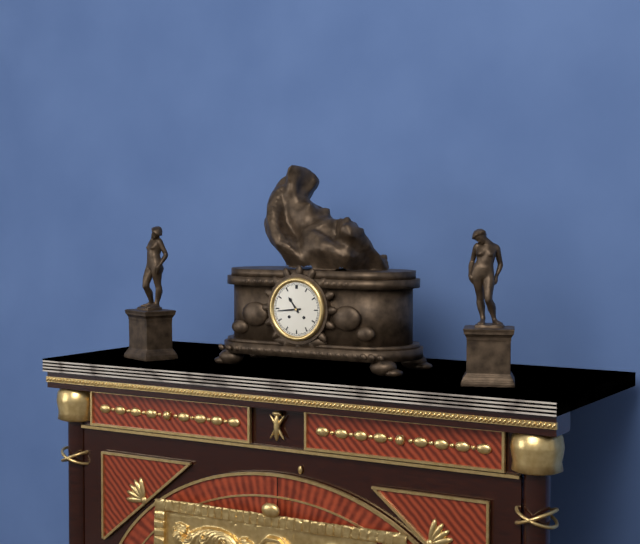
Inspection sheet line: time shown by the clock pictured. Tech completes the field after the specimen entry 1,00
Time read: 10,44
